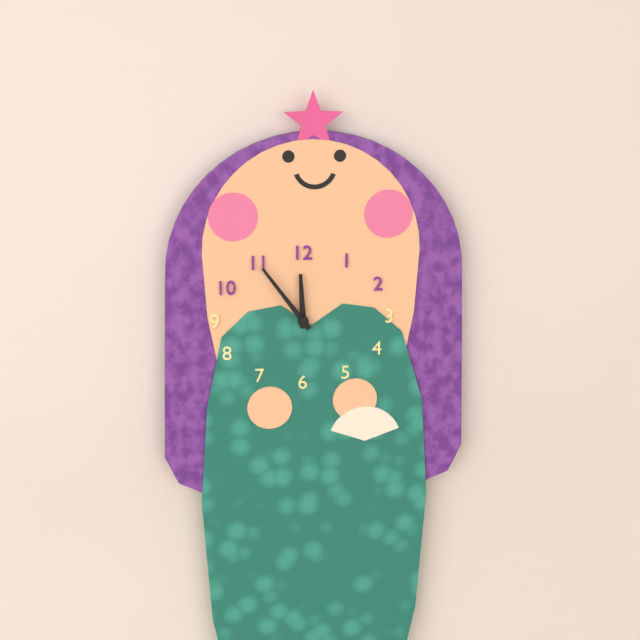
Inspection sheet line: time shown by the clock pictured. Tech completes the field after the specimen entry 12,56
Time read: 11,54
